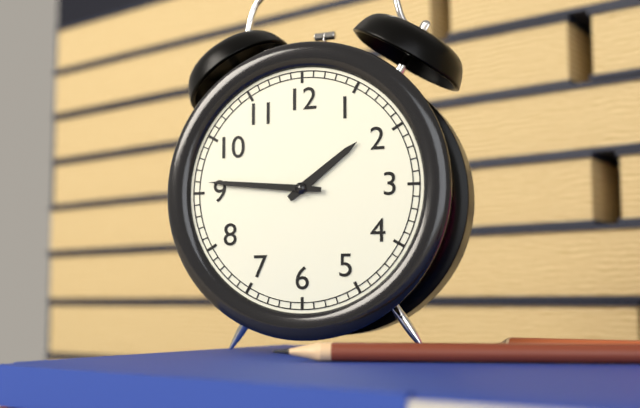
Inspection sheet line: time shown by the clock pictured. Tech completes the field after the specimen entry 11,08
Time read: 1,46
